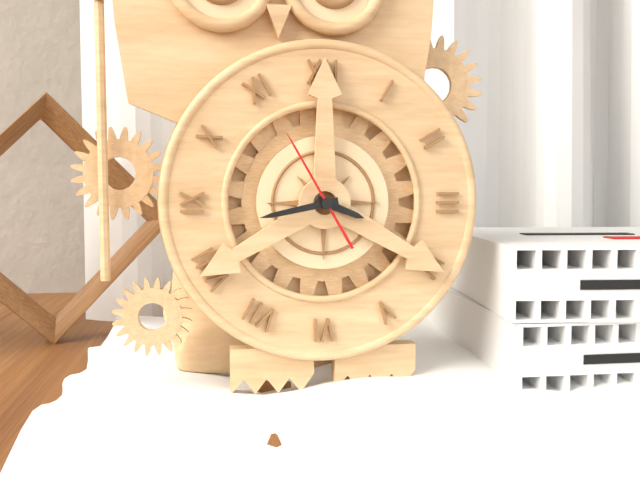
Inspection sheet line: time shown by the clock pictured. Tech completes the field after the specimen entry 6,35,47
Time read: 3,43,55
